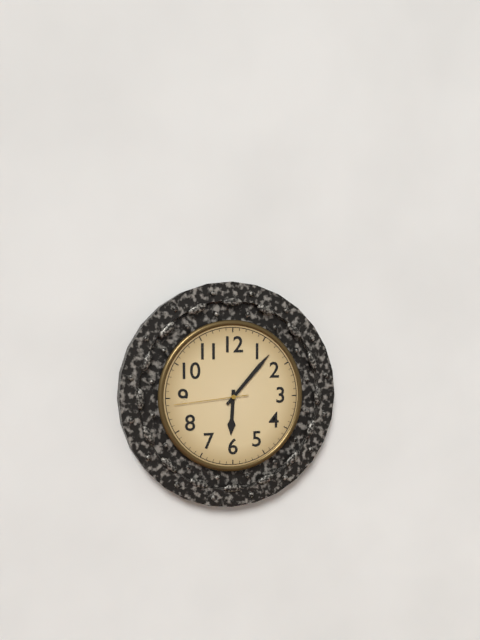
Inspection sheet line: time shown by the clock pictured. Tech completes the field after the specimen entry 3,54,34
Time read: 6,07,44
